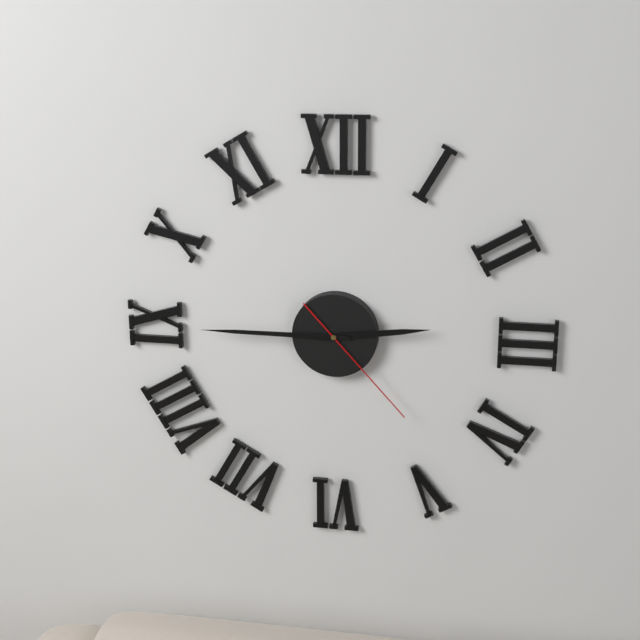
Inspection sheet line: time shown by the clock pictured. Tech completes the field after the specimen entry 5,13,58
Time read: 2,45,23
